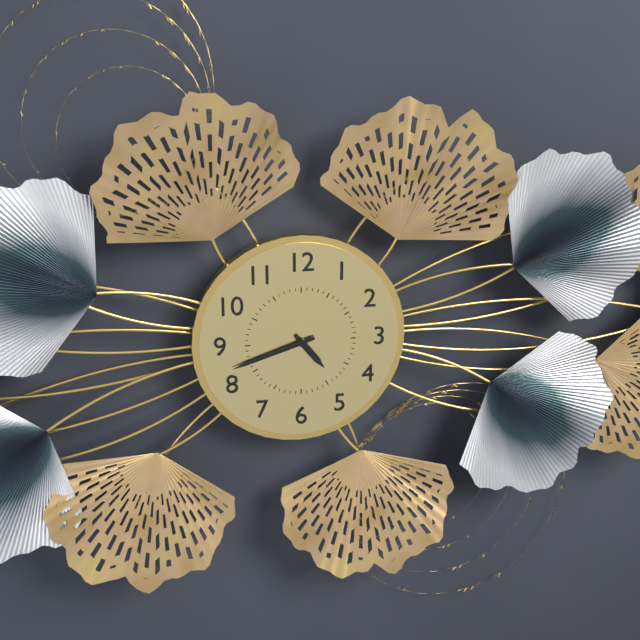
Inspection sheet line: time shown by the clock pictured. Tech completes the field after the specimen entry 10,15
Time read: 4,42
